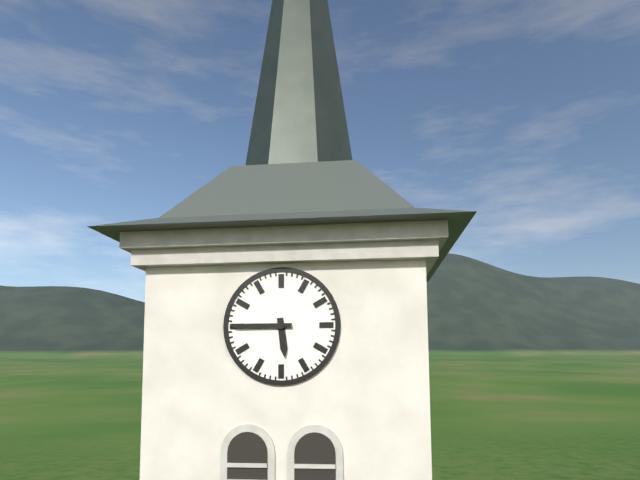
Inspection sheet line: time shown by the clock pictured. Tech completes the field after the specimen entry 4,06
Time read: 5,45
